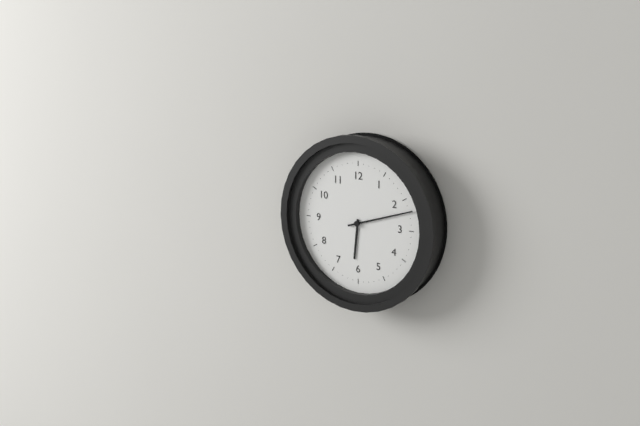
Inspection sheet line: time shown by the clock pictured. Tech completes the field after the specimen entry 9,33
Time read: 6,12
